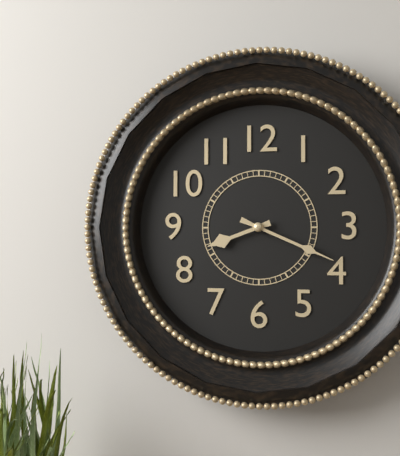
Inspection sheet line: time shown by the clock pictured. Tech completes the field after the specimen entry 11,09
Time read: 8,19
